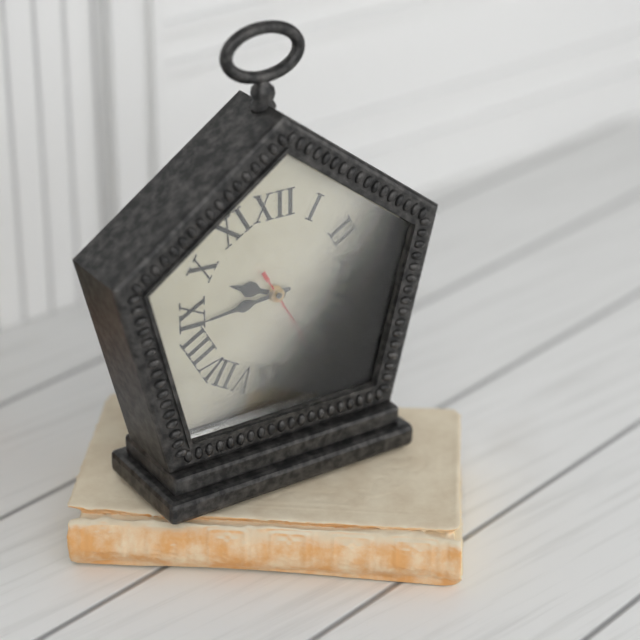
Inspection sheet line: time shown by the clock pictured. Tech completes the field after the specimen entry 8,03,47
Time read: 9,44,25
